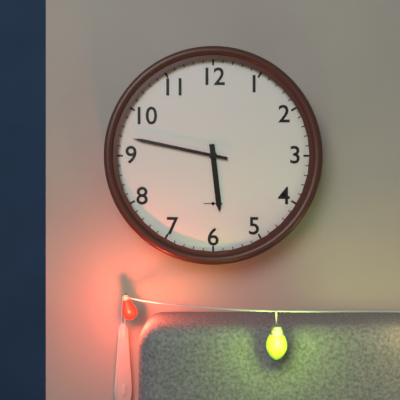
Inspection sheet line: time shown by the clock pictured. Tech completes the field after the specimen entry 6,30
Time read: 5,47
